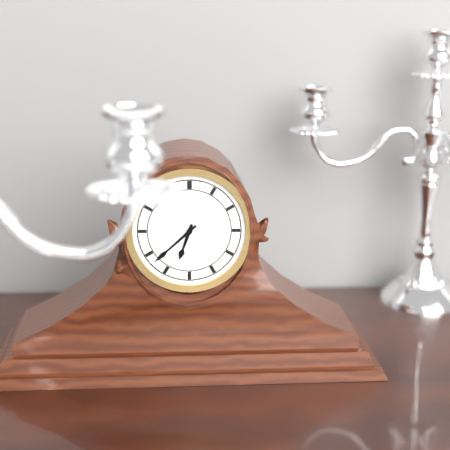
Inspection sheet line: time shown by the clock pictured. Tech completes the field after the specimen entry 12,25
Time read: 6,38
